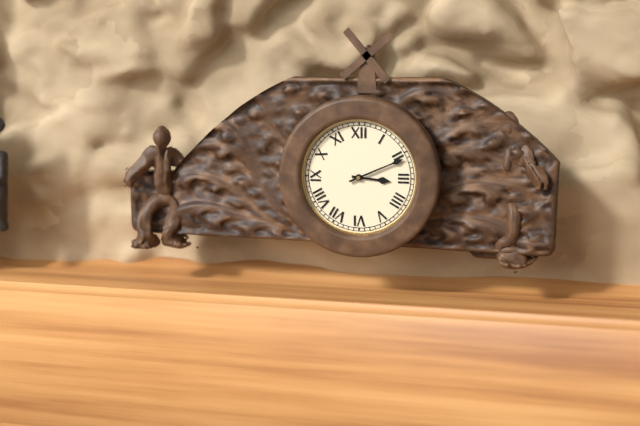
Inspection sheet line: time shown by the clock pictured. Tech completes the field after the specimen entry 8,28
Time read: 3,11
